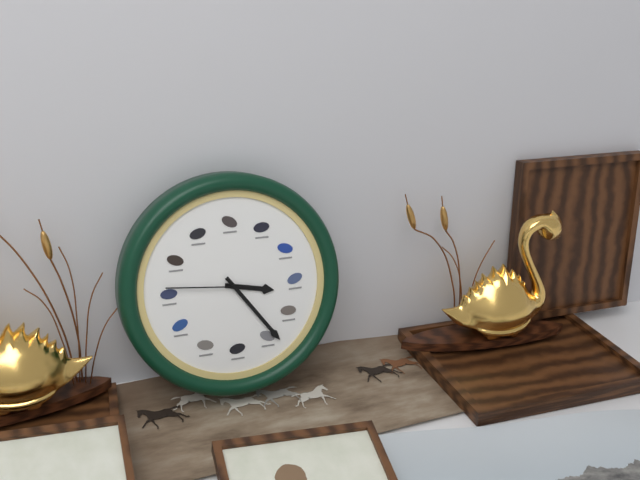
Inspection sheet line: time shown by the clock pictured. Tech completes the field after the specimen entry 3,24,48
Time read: 3,24,46
